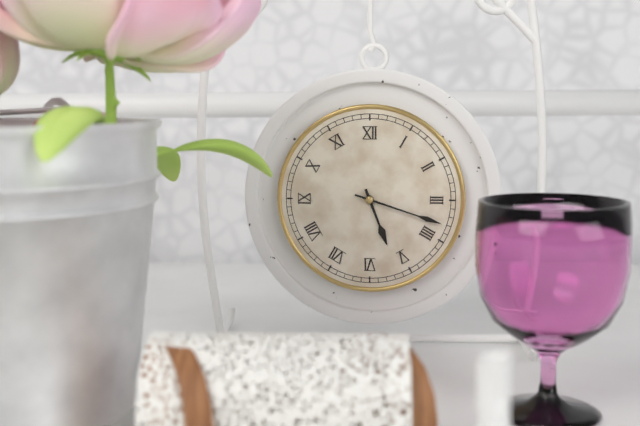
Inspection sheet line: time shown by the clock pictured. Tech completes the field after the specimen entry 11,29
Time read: 5,18
